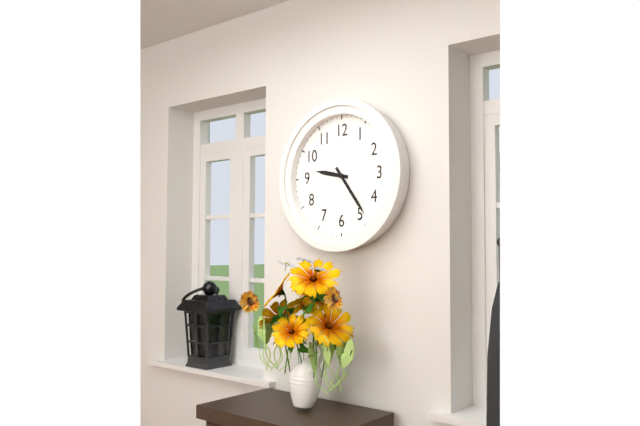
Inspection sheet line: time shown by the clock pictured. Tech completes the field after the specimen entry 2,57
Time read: 9,24
